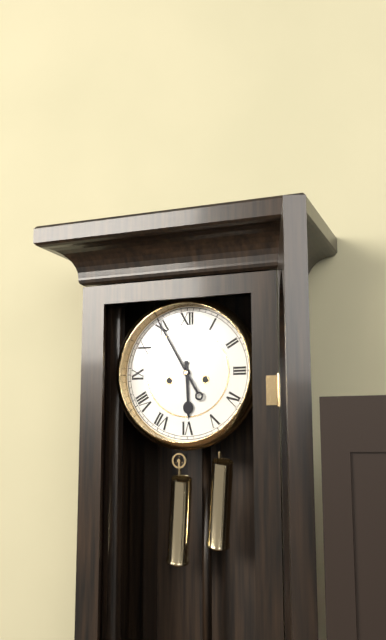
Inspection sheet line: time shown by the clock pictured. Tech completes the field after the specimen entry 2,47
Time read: 5,55
